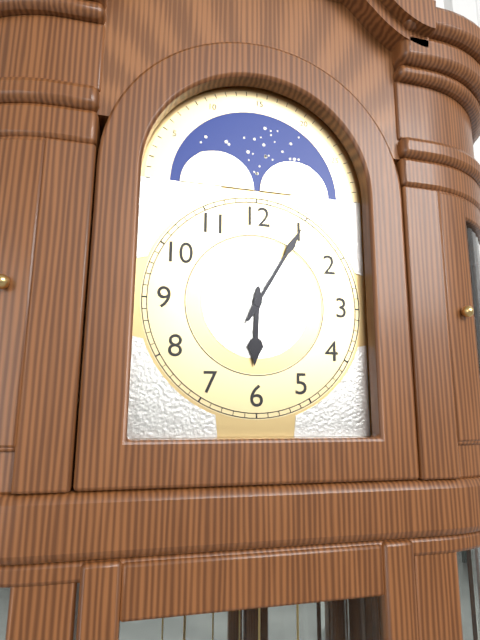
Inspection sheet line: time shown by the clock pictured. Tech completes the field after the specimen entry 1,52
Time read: 6,05
